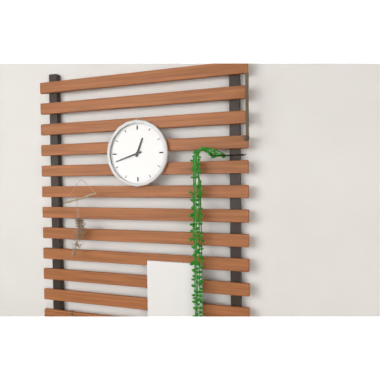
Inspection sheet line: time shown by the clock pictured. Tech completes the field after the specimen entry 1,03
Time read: 12,42
